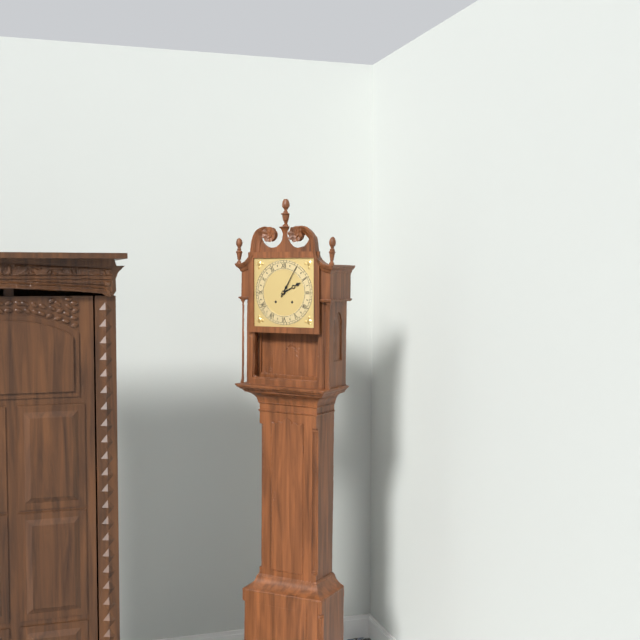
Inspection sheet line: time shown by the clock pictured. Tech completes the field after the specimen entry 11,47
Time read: 2,05
